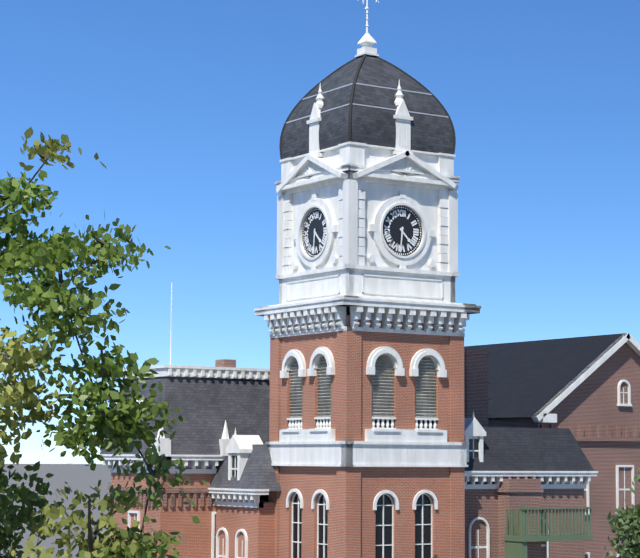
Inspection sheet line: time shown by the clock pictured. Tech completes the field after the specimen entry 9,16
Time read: 4,31
